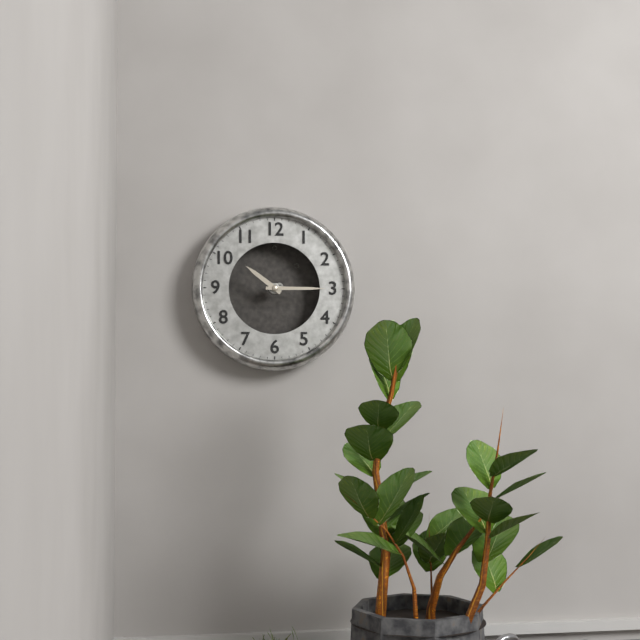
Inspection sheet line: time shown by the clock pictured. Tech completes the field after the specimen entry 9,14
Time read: 10,15
